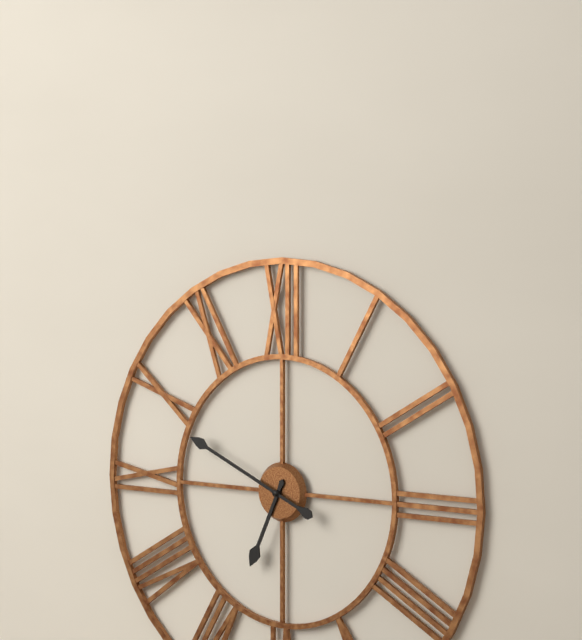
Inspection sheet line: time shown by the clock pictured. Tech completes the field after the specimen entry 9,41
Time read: 6,49
